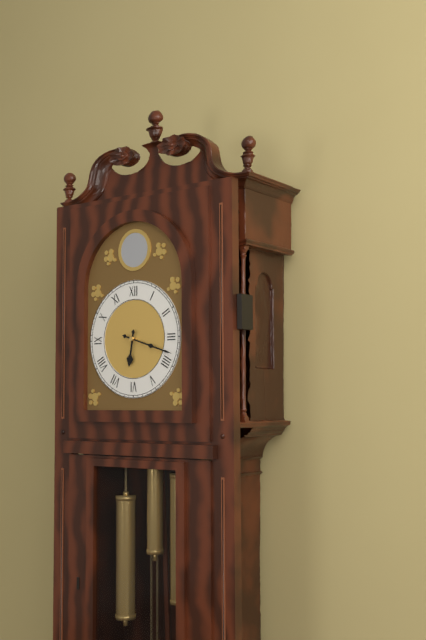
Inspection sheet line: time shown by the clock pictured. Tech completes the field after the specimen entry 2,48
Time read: 6,18
